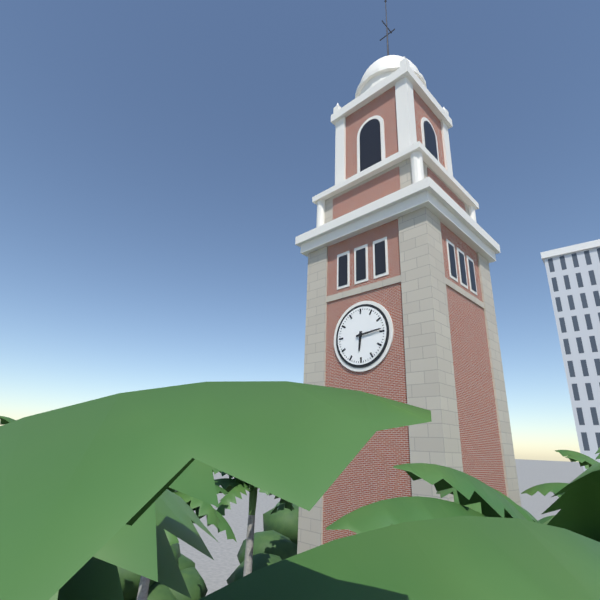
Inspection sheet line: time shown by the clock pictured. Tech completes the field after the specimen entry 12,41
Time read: 6,14
